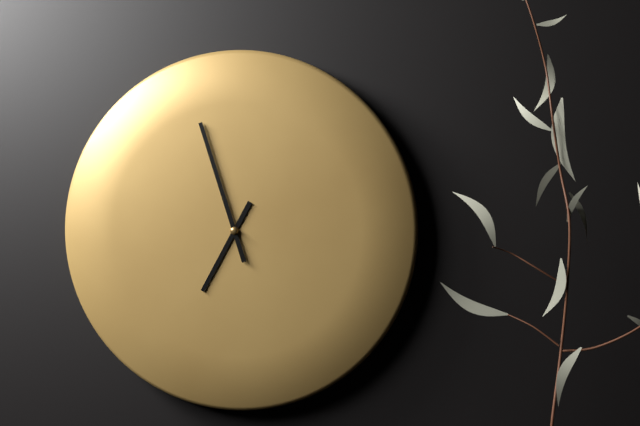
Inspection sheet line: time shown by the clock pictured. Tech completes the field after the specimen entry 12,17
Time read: 6,57
